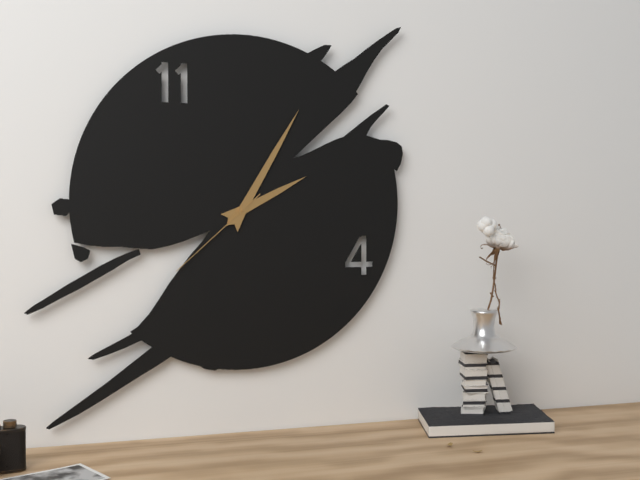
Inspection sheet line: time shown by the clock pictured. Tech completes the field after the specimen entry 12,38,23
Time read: 2,05,38
